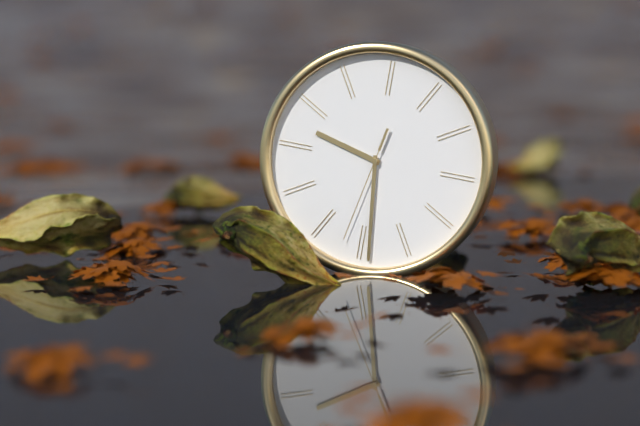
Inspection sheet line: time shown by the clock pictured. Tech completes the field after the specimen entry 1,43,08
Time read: 9,29,32
